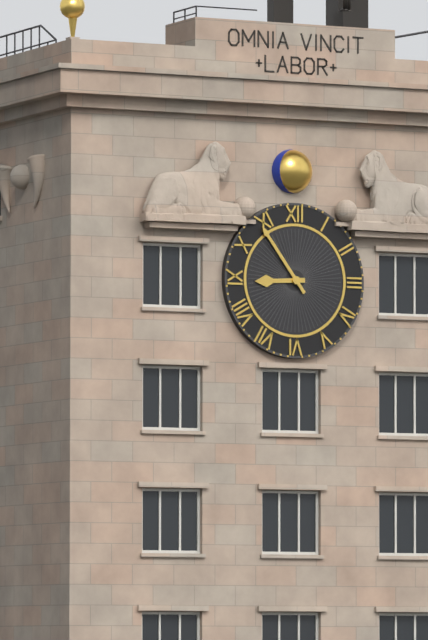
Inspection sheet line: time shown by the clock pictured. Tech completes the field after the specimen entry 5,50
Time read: 8,54
